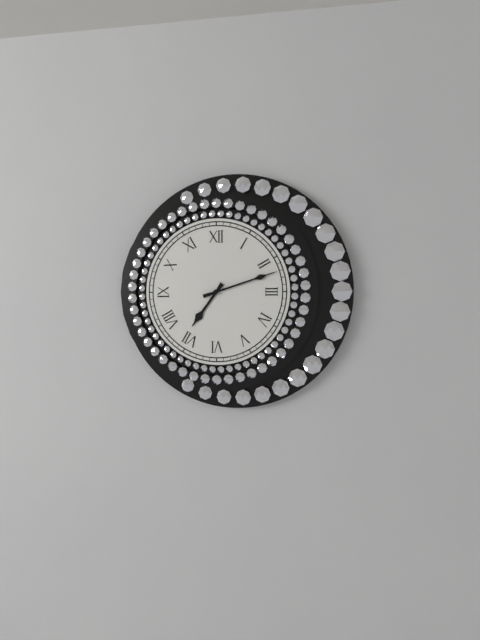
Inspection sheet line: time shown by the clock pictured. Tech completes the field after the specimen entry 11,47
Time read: 7,12
